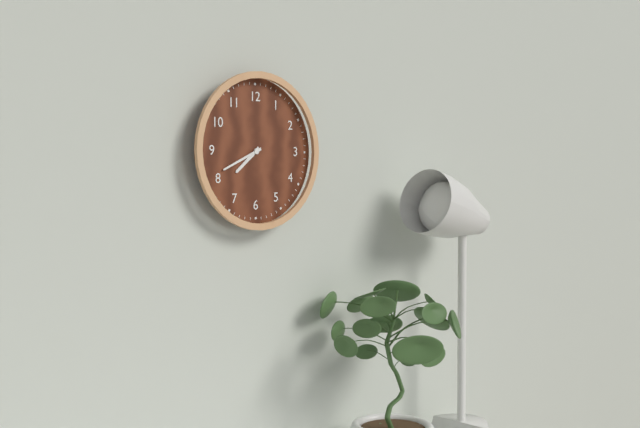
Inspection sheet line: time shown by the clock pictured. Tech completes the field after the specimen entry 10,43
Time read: 7,41
